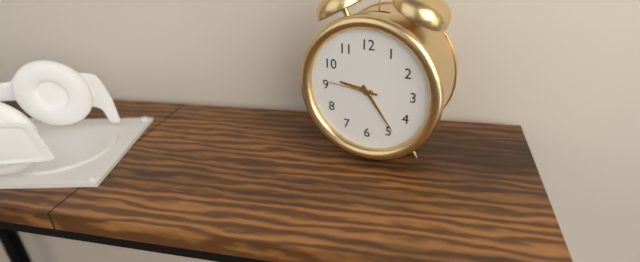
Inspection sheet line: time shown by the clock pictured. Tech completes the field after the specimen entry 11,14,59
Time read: 9,24,46
